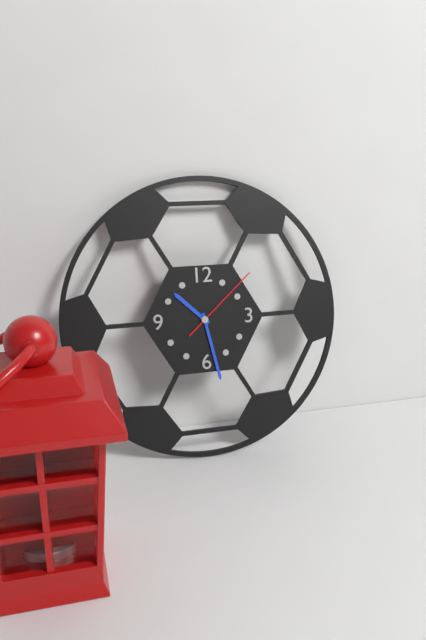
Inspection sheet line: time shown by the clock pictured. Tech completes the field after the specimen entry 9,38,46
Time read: 10,28,08
